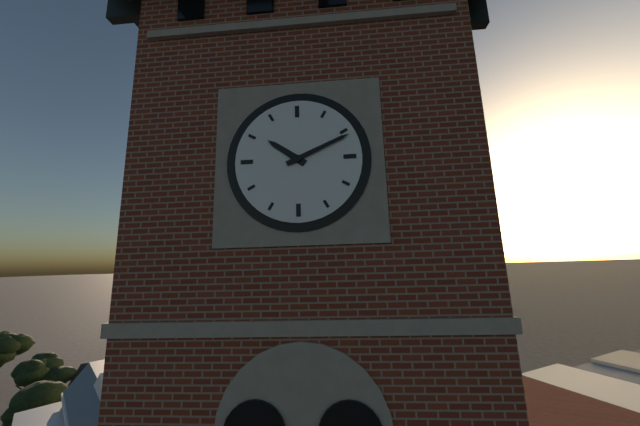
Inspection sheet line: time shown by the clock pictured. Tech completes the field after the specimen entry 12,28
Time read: 10,11
